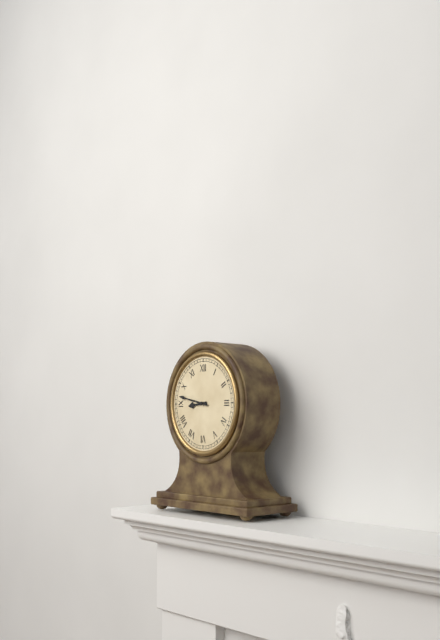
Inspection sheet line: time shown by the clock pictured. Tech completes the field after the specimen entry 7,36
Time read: 8,47
